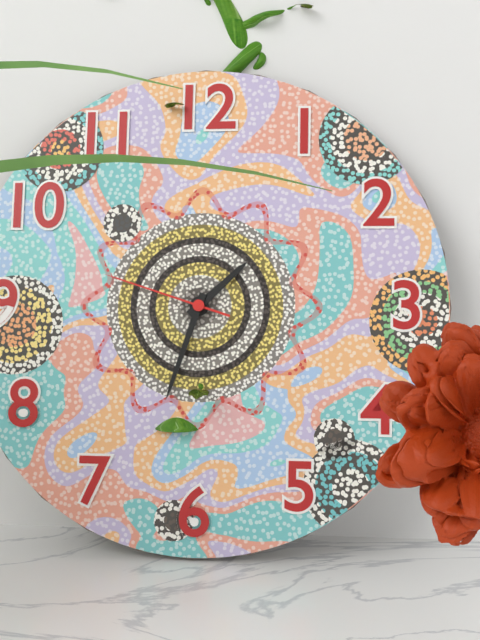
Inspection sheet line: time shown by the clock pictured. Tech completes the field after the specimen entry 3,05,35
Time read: 1,33,48
